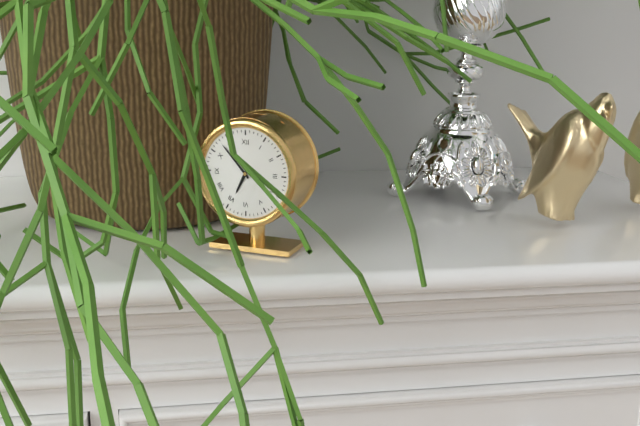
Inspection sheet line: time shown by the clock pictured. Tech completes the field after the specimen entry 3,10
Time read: 6,53
